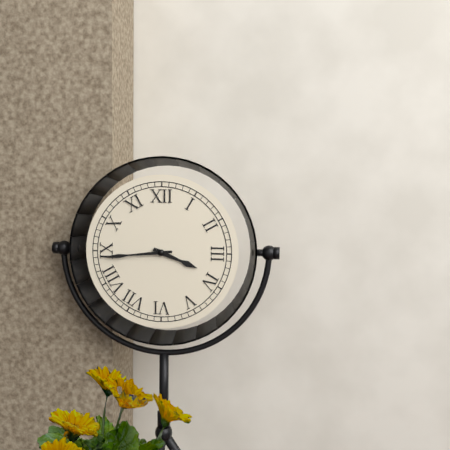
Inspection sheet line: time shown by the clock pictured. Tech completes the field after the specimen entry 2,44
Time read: 3,44
